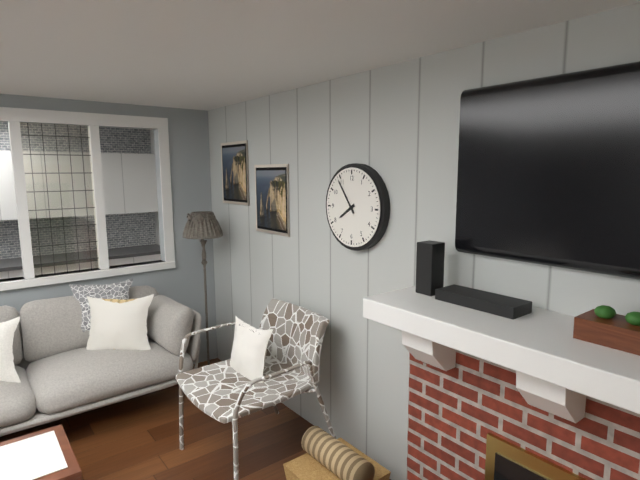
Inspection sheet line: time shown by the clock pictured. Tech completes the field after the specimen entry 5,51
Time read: 7,54
